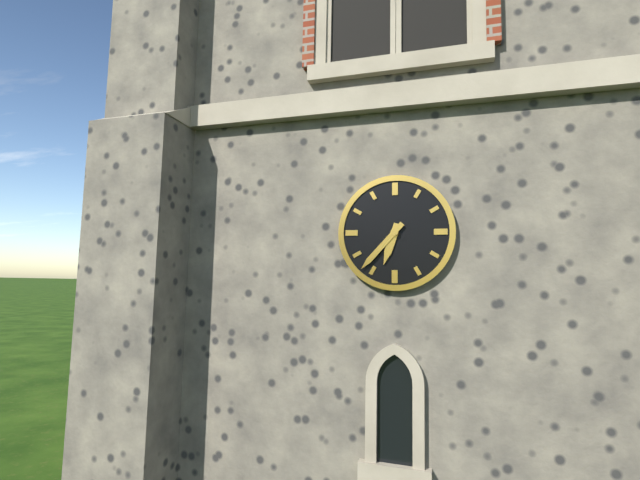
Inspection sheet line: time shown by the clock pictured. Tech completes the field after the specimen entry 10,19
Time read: 6,37
